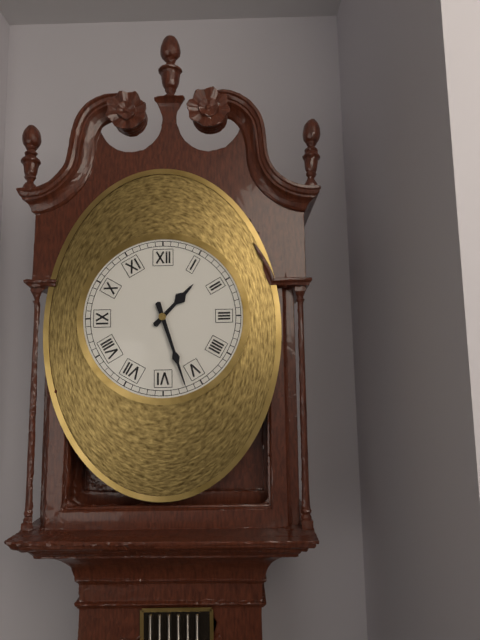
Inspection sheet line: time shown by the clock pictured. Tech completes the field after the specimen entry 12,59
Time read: 1,27
